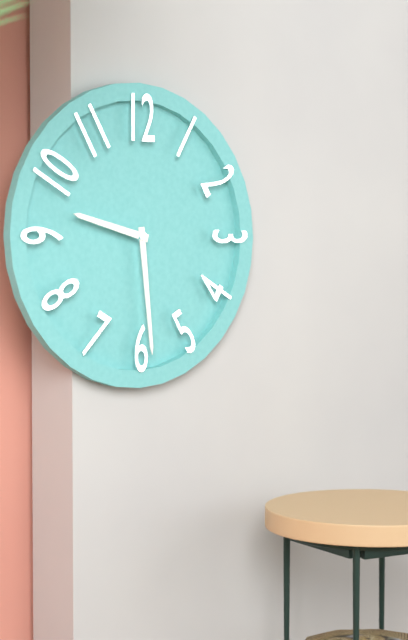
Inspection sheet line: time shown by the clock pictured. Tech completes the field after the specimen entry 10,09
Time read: 9,29
